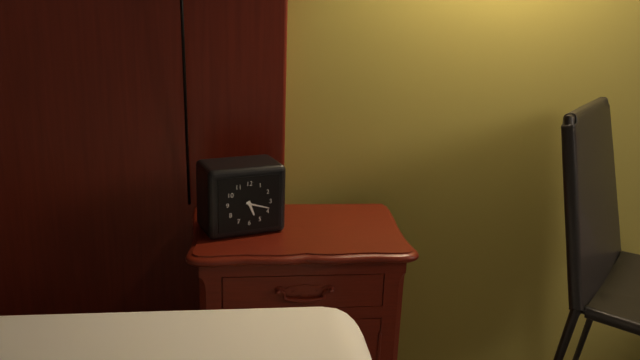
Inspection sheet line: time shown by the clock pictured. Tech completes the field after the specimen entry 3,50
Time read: 5,18
